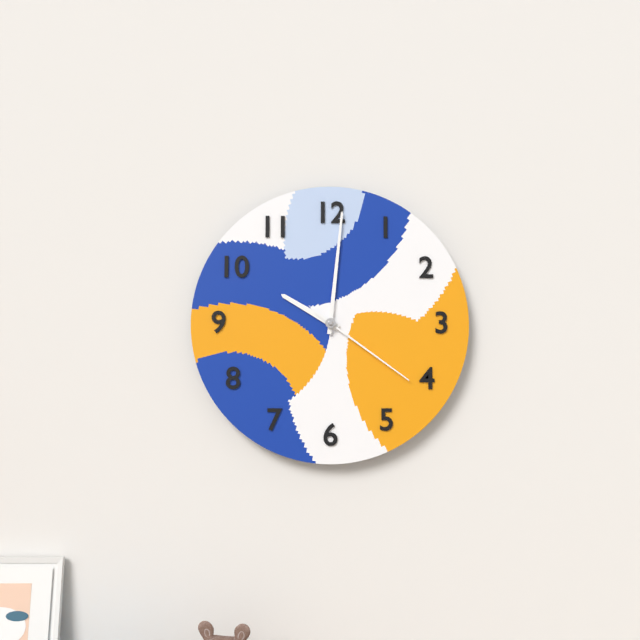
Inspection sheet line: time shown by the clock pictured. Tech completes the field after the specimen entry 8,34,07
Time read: 10,01,21
